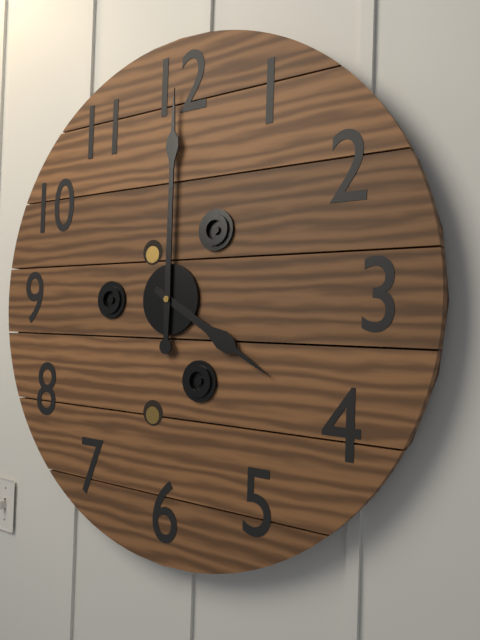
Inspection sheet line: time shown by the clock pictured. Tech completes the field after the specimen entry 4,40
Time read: 4,00
